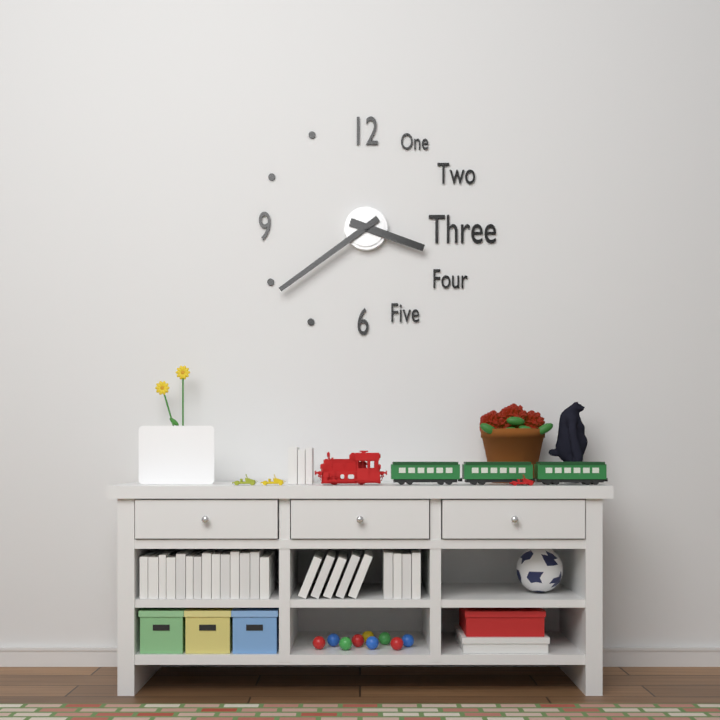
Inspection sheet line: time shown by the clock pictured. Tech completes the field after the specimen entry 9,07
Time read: 3,39
